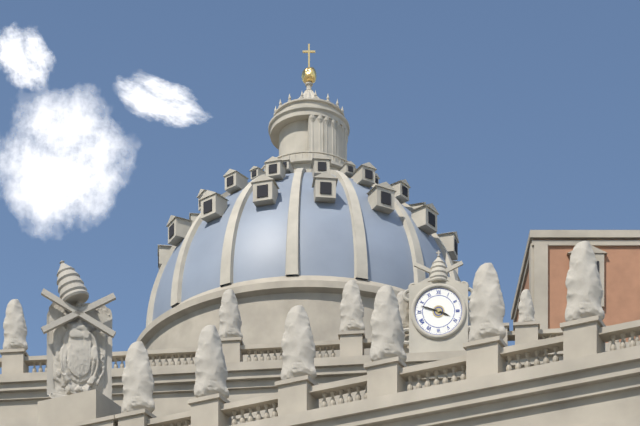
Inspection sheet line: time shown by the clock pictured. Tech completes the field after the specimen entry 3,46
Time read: 3,48
